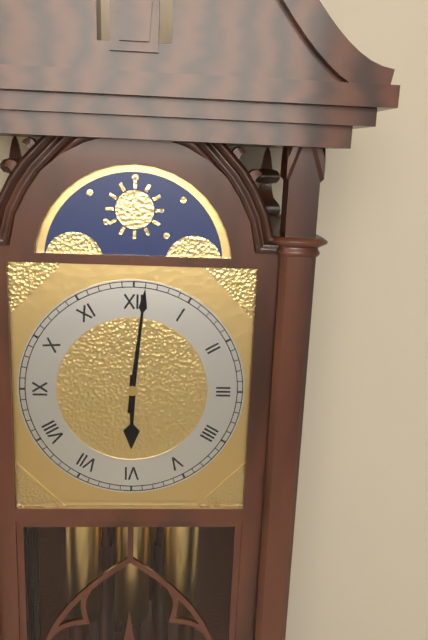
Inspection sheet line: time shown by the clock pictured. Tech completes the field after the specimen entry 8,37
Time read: 6,01
